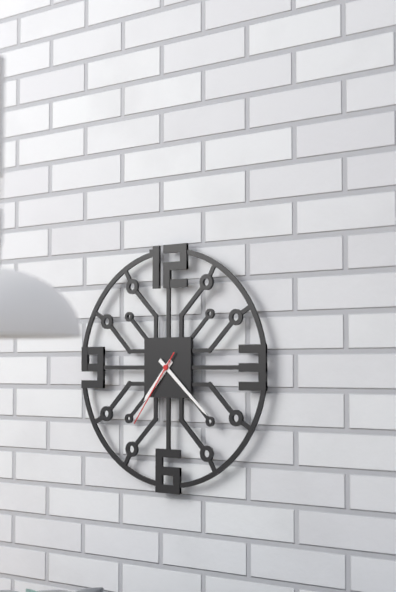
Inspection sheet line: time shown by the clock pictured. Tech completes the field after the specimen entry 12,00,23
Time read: 7,22,36
